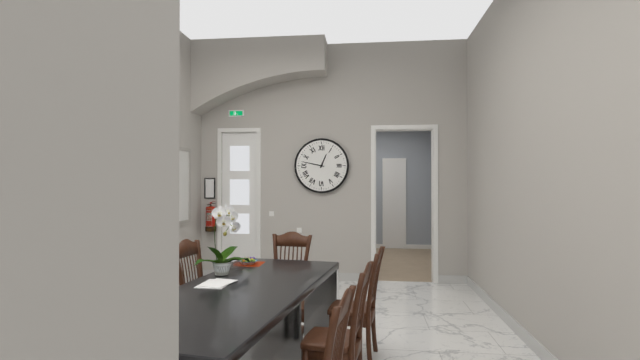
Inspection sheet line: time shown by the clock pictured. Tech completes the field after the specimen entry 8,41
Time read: 12,47
